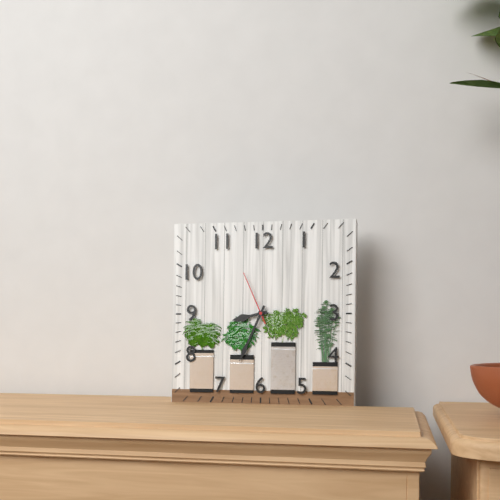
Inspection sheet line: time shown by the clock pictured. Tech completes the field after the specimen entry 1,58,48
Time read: 8,34,56
